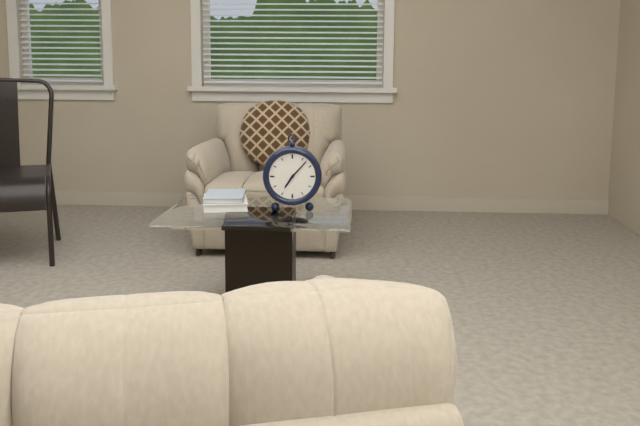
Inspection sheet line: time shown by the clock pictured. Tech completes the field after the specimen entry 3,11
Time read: 7,07
